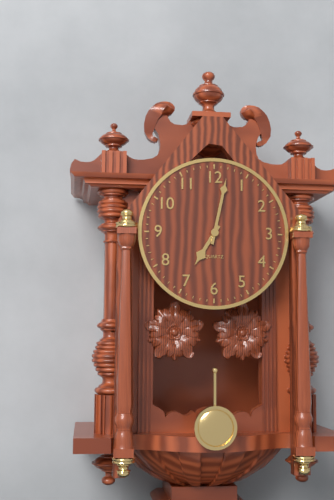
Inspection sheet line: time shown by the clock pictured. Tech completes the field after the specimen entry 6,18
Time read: 7,02
